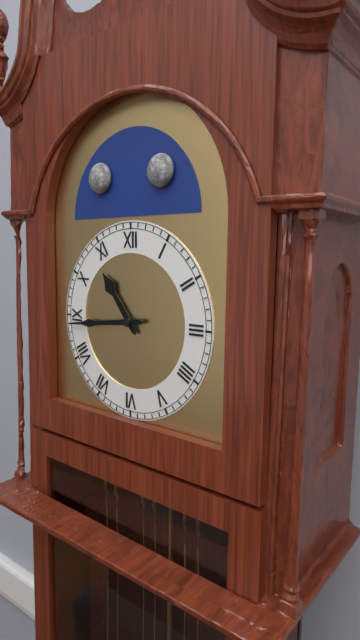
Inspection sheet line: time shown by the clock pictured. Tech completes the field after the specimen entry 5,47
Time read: 10,44
